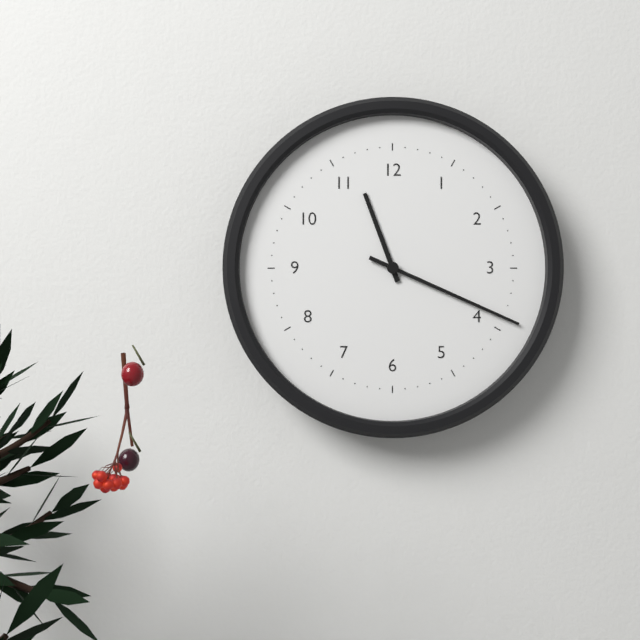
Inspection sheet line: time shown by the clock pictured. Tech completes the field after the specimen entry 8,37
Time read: 11,19
